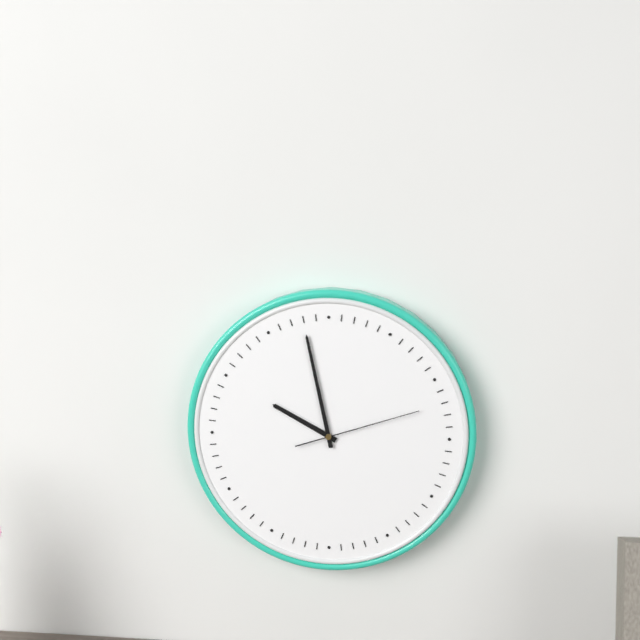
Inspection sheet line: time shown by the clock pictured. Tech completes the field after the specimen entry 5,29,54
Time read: 9,58,12
